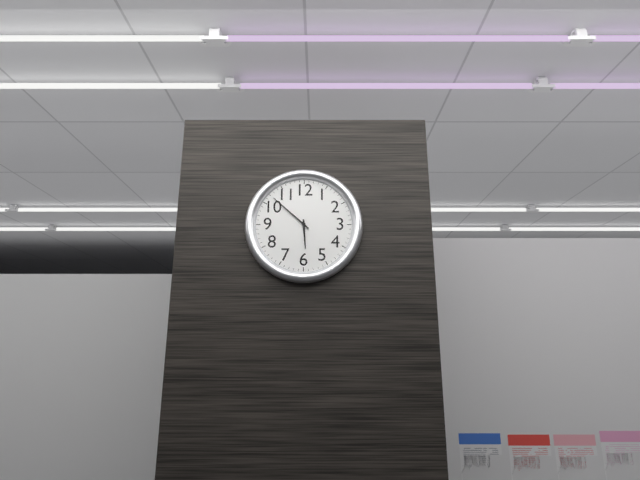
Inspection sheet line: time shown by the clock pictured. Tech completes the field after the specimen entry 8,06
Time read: 5,52
